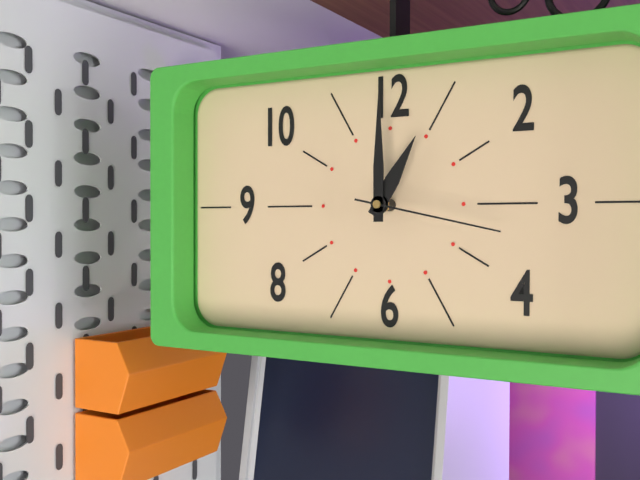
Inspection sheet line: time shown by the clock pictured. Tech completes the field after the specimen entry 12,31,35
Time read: 1,00,17
